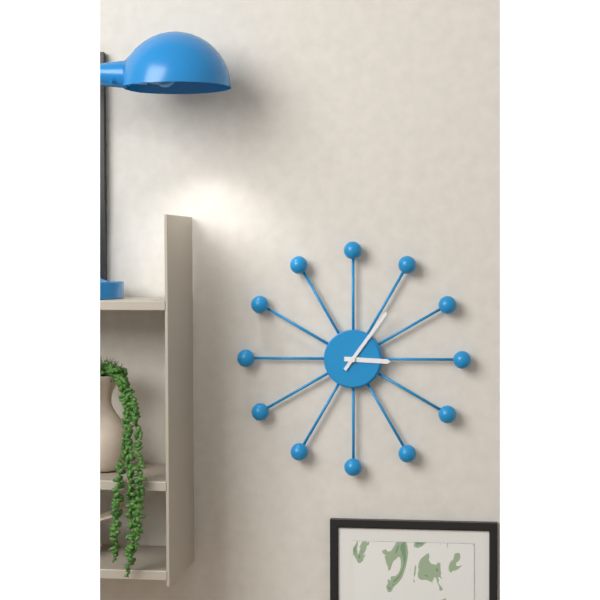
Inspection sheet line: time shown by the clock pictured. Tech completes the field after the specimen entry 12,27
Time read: 3,06
